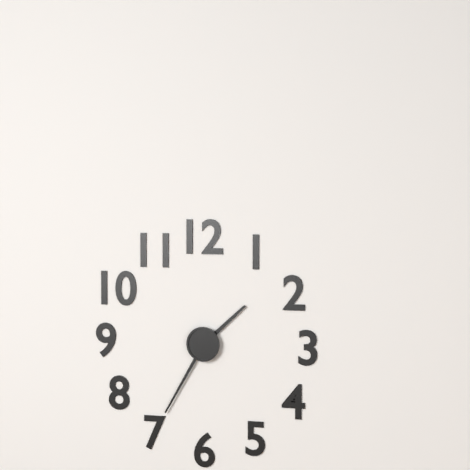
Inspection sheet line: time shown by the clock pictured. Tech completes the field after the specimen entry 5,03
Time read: 1,35
